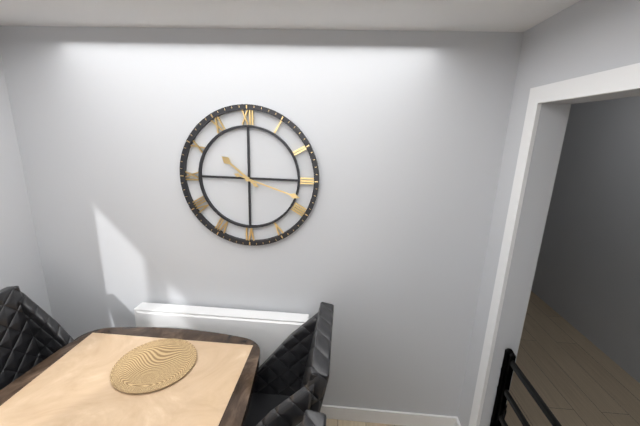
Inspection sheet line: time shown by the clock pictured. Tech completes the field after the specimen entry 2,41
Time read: 10,18
